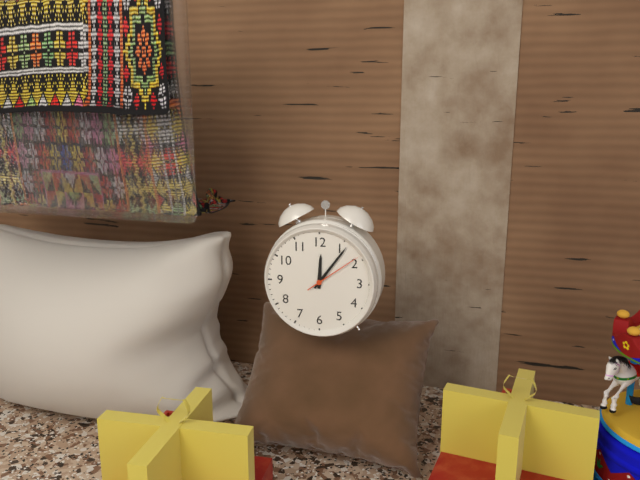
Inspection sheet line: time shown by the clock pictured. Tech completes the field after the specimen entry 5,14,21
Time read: 12,06,09
